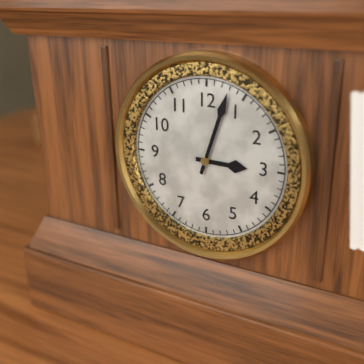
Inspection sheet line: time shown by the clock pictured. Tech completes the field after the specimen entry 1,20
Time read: 3,03
